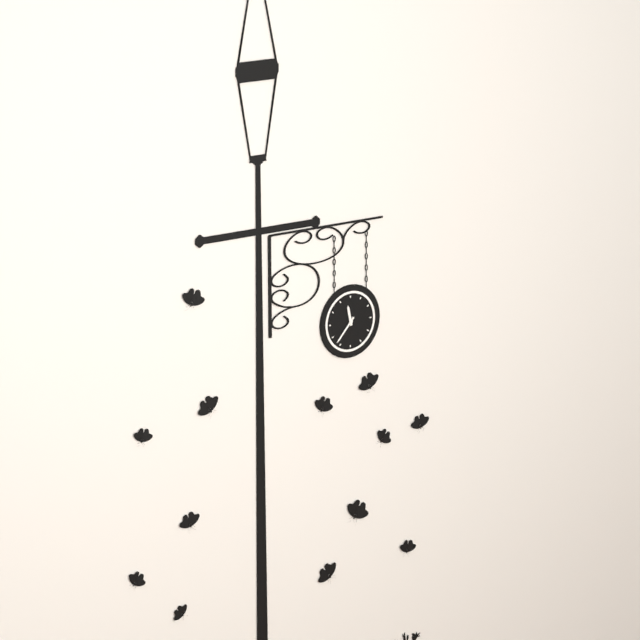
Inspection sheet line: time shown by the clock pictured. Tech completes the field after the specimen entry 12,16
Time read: 11,37
